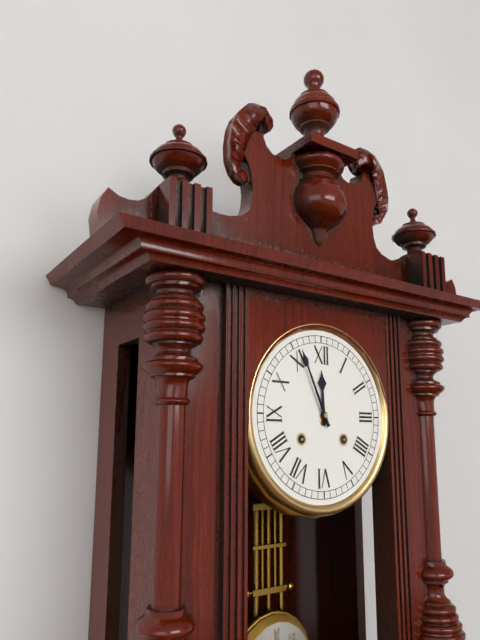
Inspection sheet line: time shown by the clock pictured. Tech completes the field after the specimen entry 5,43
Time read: 11,56
